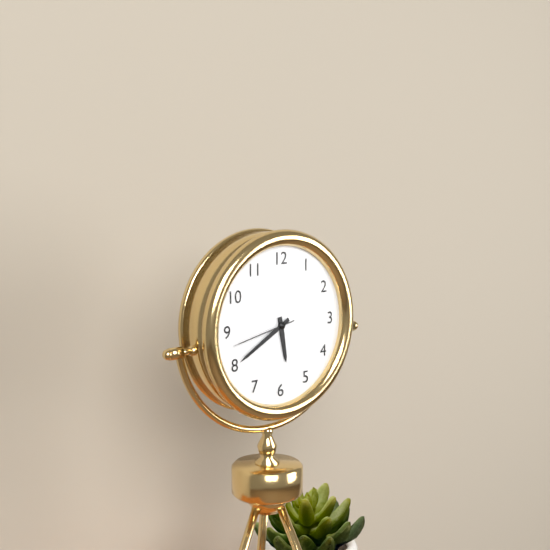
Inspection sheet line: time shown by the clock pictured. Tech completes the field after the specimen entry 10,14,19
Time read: 5,40,43
